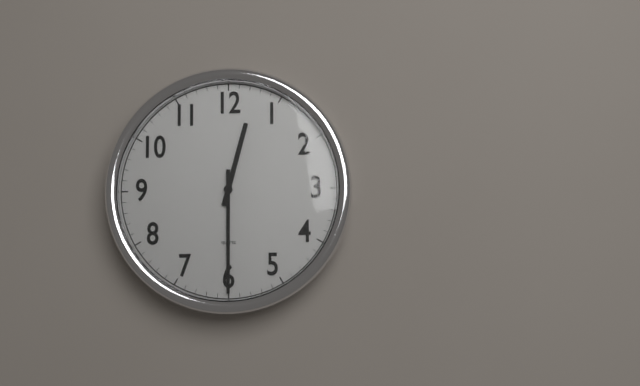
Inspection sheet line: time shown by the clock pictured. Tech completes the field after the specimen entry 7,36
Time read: 12,30
